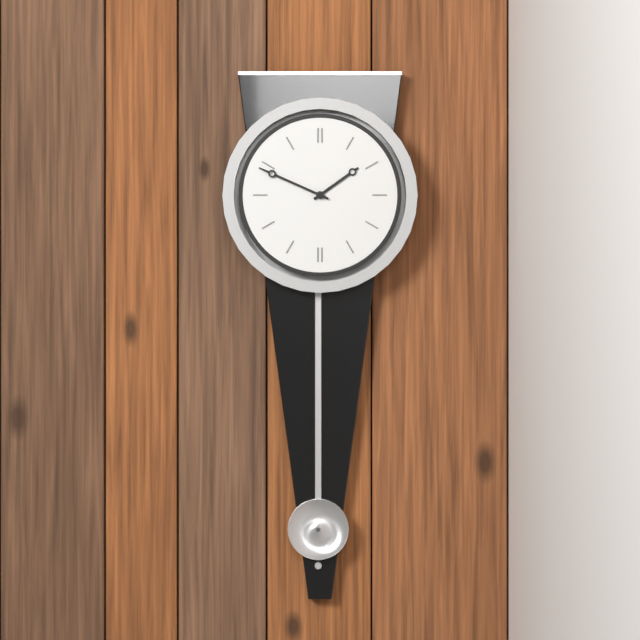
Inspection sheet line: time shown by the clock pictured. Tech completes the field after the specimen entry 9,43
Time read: 1,49
